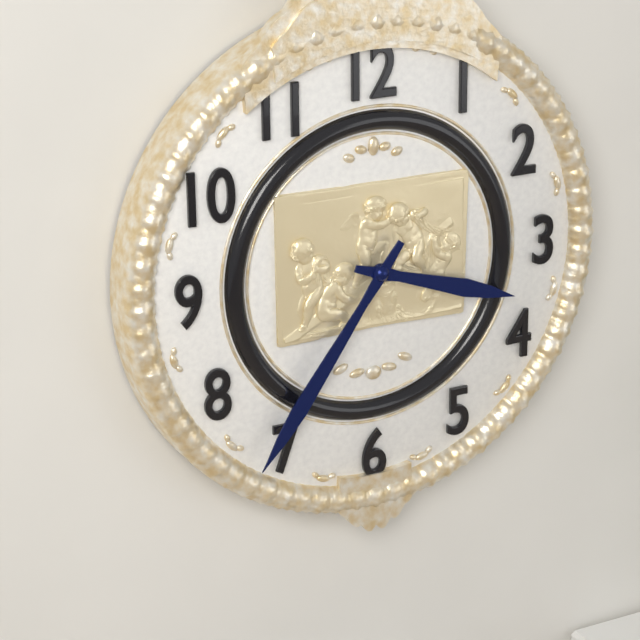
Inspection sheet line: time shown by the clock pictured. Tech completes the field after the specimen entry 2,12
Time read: 3,36
